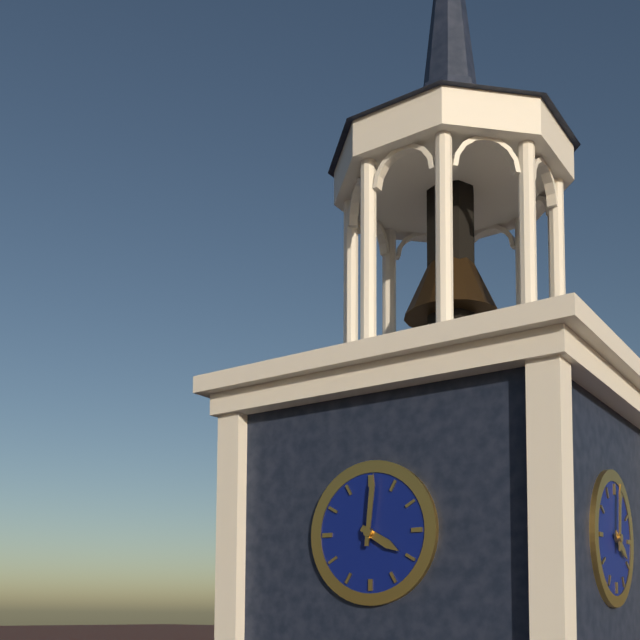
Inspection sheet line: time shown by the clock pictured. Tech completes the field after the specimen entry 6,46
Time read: 4,01
